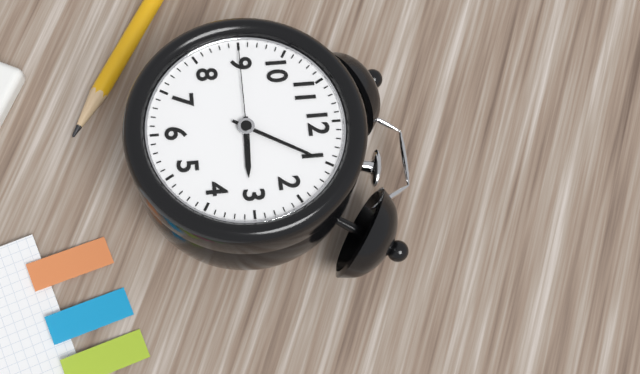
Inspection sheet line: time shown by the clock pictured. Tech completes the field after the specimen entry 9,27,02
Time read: 3,05,45
